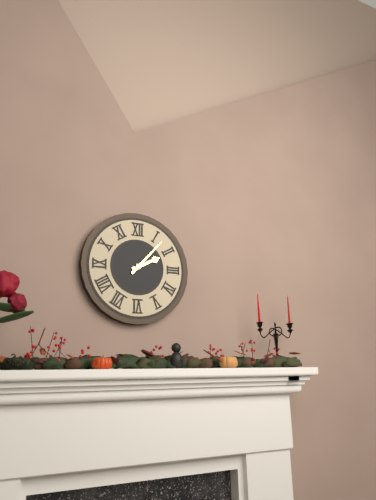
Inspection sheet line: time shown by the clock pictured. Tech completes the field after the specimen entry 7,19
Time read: 2,07
